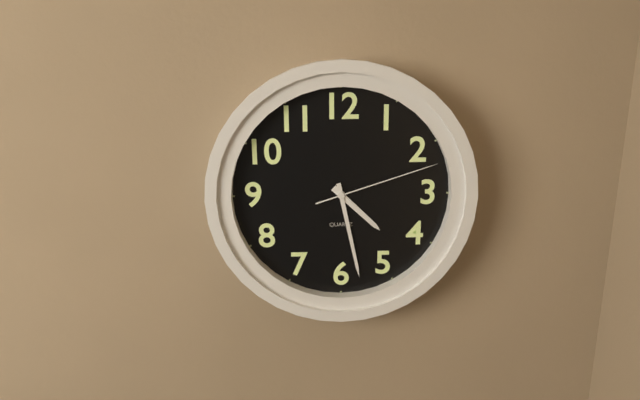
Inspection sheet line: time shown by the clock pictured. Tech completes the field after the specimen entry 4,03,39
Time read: 4,28,12
